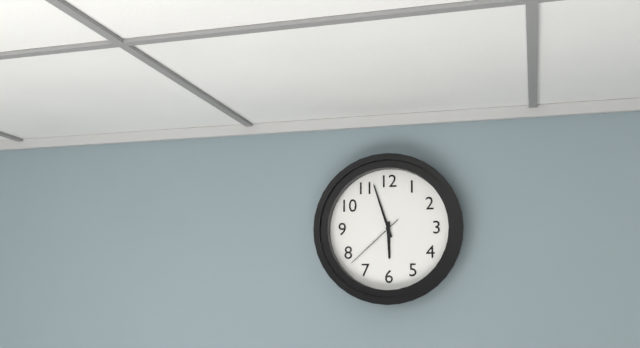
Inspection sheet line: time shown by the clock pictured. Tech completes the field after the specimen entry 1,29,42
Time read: 5,57,38
